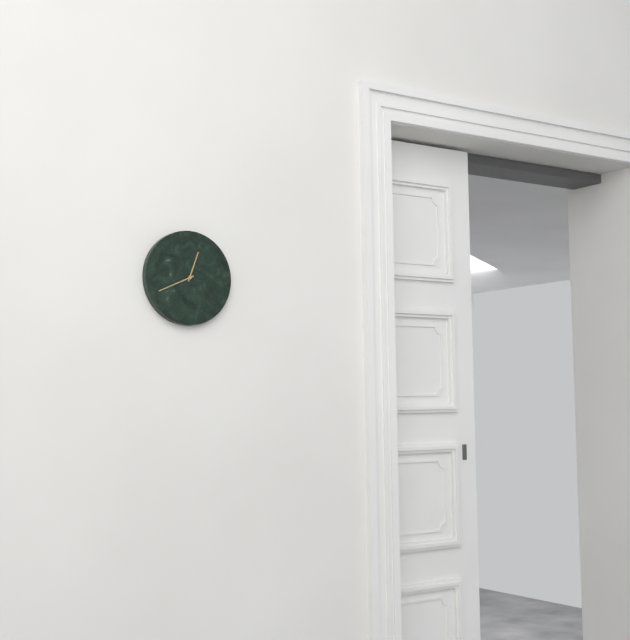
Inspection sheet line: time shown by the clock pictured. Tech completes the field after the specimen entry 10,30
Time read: 12,41
